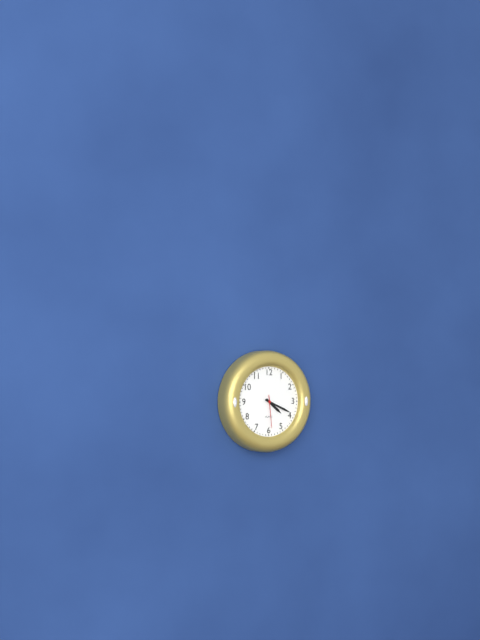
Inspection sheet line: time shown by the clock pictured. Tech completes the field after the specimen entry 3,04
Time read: 4,19
